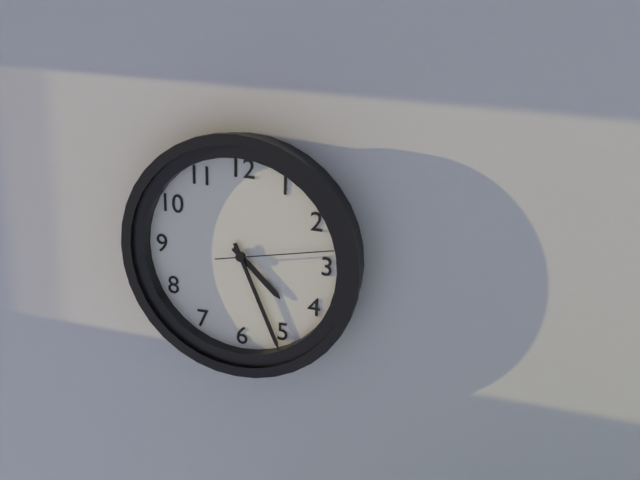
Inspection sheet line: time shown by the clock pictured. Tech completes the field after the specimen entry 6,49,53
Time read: 4,26,13
